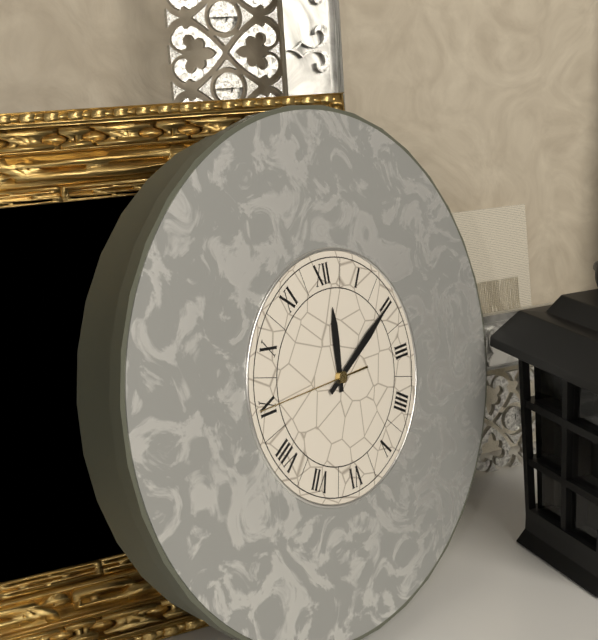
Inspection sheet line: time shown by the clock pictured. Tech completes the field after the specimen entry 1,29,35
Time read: 12,10,45
